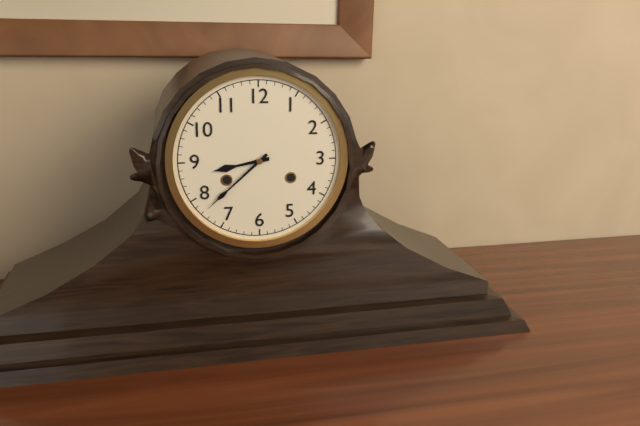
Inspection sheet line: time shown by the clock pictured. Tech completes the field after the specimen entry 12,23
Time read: 8,38
